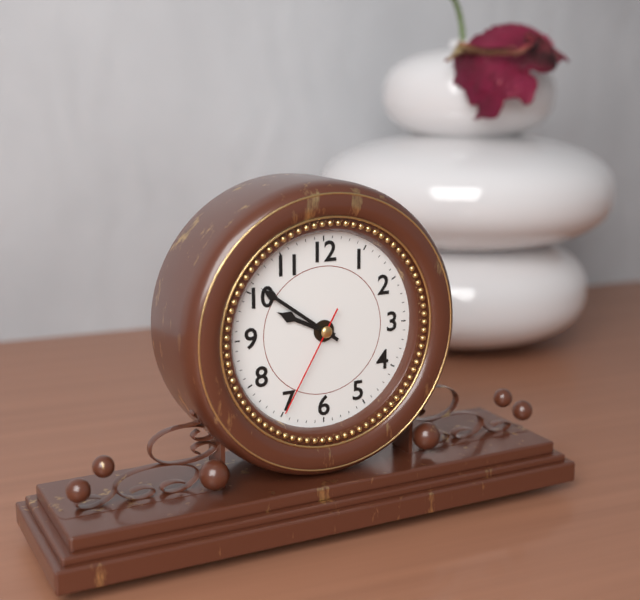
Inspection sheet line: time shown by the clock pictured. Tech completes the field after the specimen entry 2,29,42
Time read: 9,51,35
